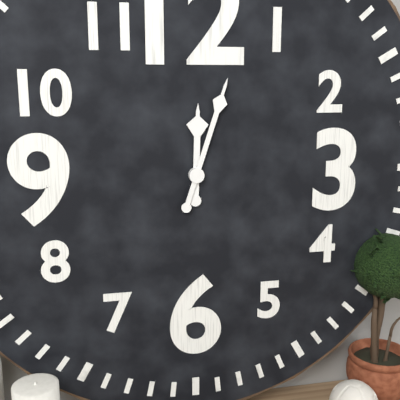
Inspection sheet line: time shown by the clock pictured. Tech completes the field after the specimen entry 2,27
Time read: 12,03
